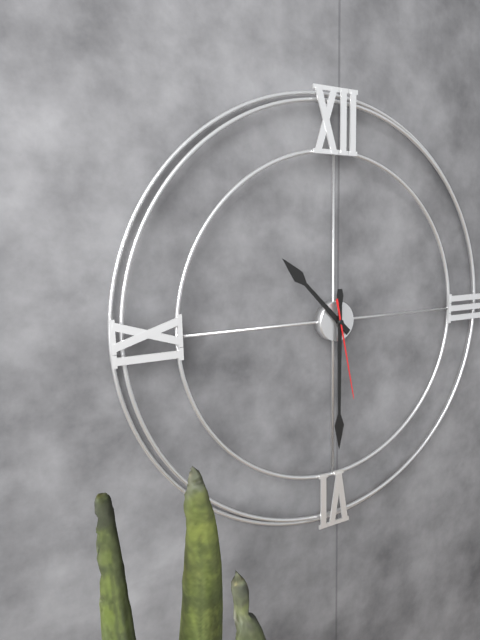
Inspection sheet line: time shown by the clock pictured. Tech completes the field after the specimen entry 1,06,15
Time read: 10,30,28
